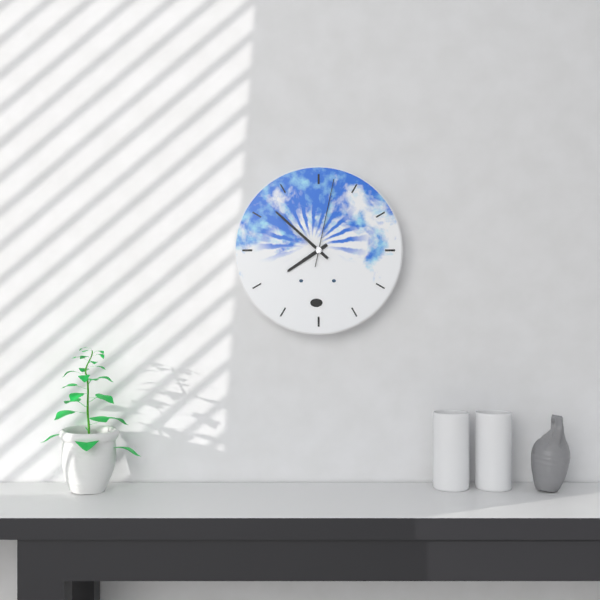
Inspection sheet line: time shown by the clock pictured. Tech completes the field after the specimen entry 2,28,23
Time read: 7,52,02
